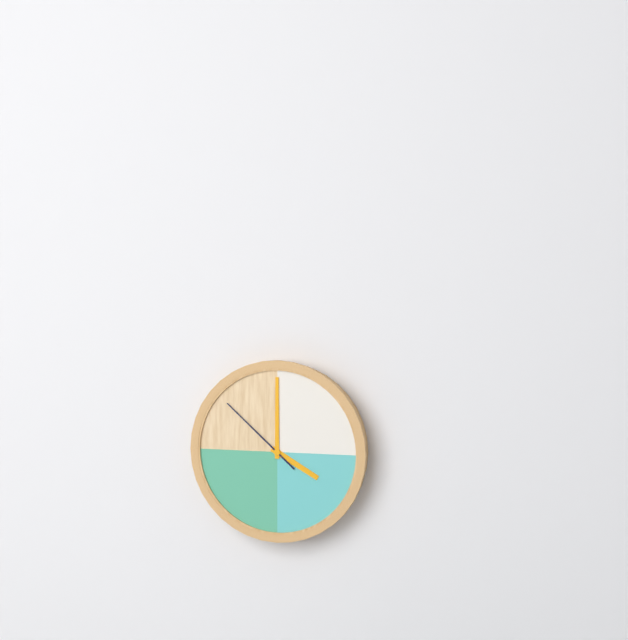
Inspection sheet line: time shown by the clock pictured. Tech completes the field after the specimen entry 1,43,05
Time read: 4,00,52
